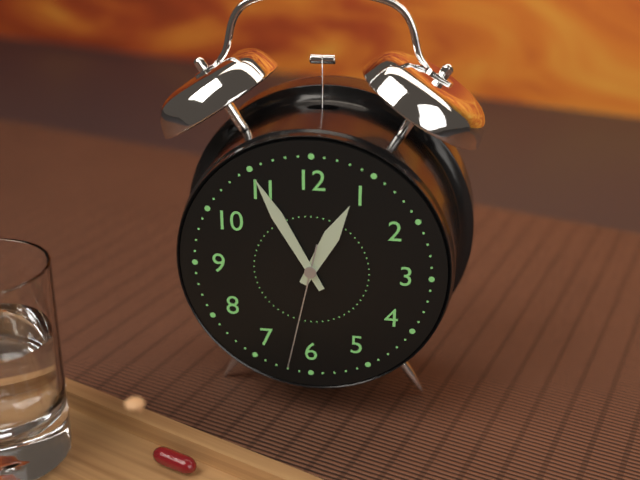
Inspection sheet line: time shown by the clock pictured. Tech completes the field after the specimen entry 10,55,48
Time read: 12,55,32
